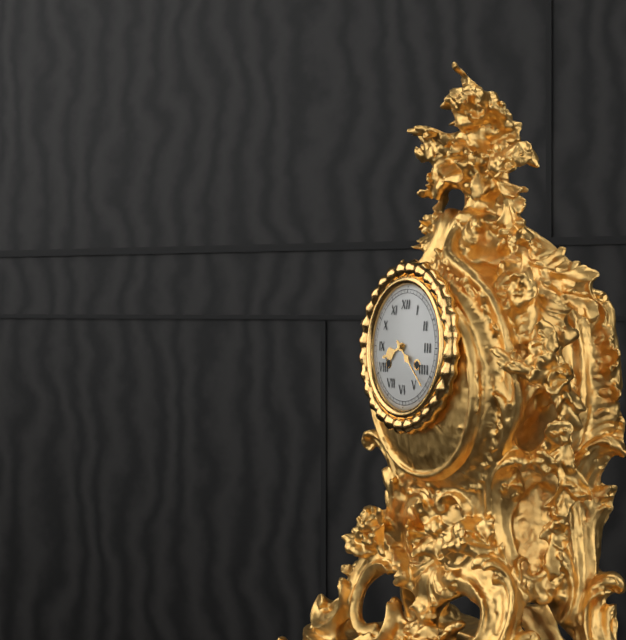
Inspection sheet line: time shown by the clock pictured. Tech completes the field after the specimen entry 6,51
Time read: 8,22
